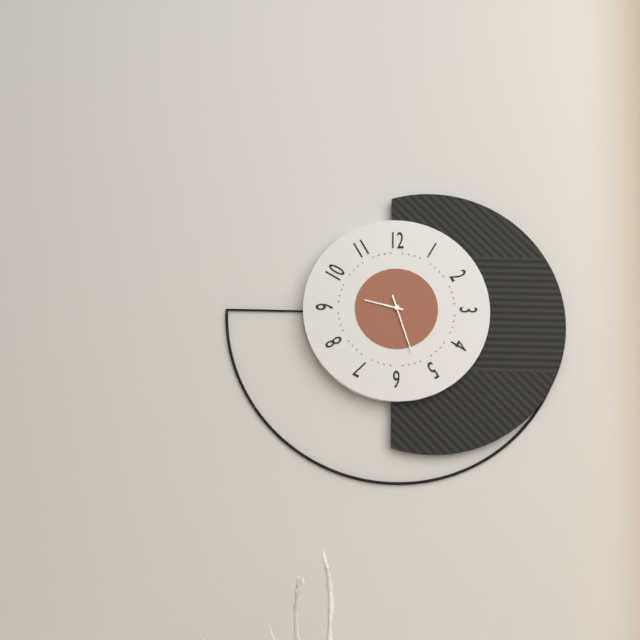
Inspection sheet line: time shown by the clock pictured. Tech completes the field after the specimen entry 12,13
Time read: 9,27
